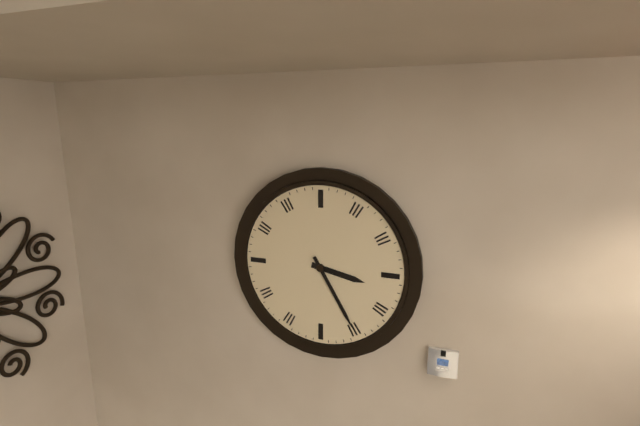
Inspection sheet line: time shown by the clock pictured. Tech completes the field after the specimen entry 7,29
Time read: 3,25
